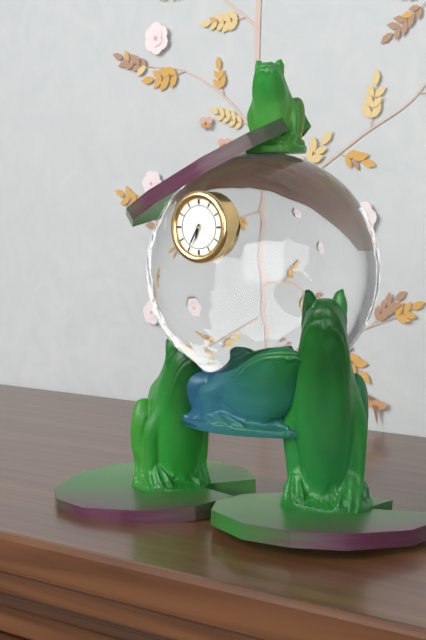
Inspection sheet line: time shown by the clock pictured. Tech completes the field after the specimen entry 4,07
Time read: 6,35
